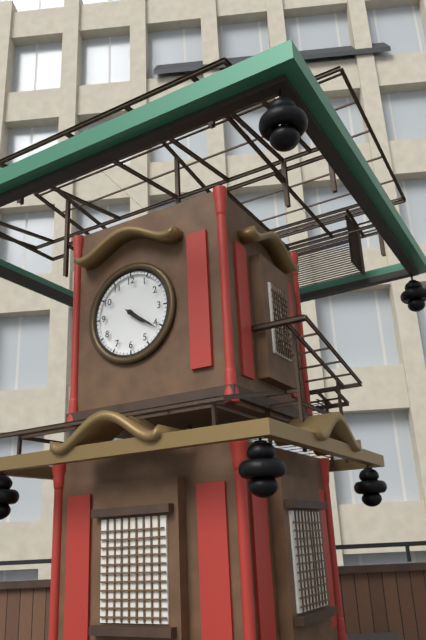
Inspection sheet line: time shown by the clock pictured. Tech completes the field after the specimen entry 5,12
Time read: 4,21
